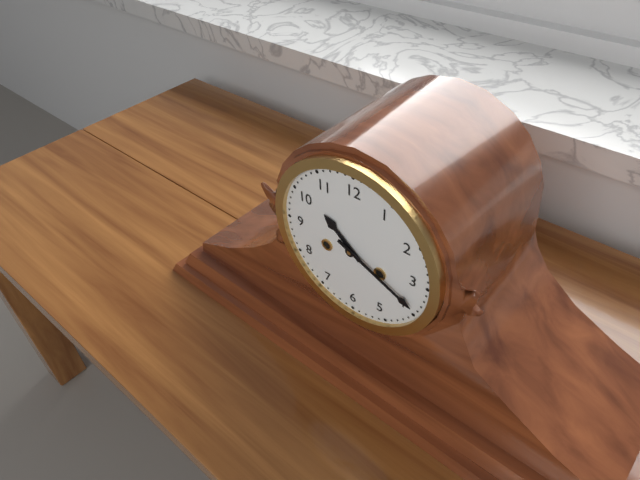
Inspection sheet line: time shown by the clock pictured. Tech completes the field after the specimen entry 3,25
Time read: 10,19
